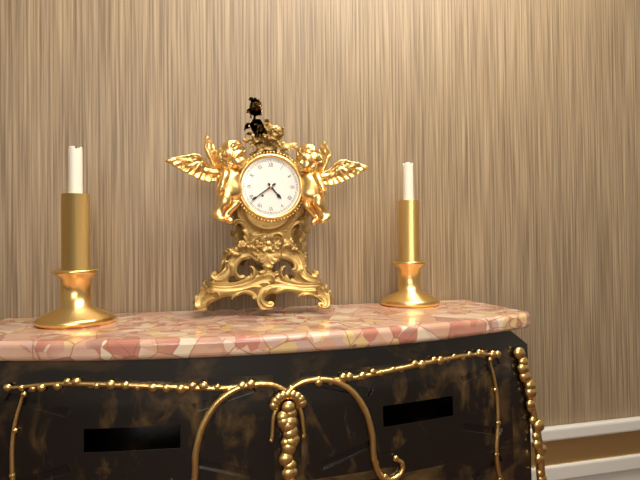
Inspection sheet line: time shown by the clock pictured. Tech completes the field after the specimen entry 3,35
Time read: 4,39
